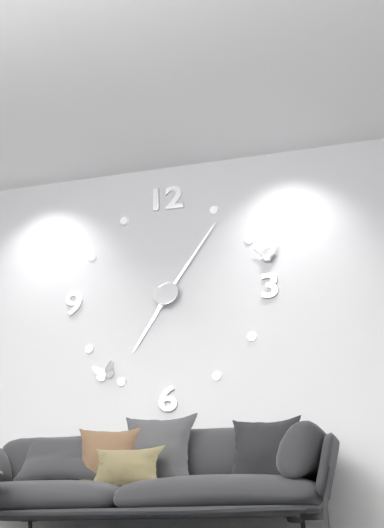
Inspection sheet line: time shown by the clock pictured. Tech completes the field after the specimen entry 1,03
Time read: 7,06
